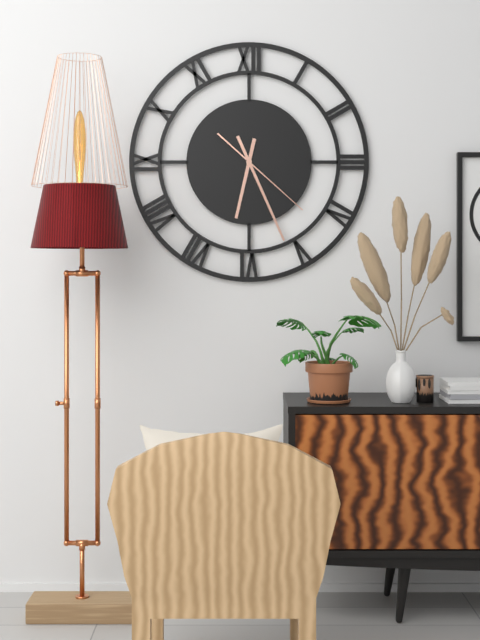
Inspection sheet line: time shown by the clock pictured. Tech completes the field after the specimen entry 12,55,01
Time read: 6,26,22
